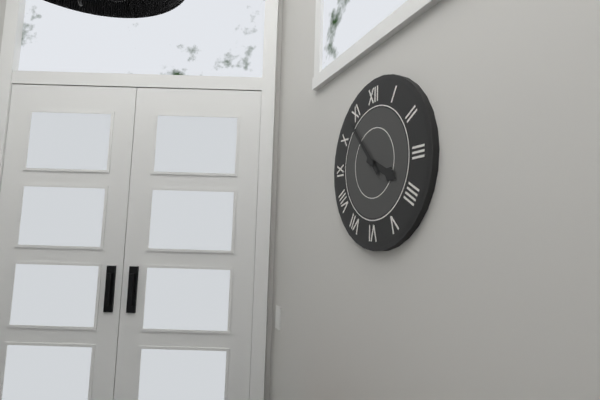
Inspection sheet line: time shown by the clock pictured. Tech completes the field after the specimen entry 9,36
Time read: 3,53
